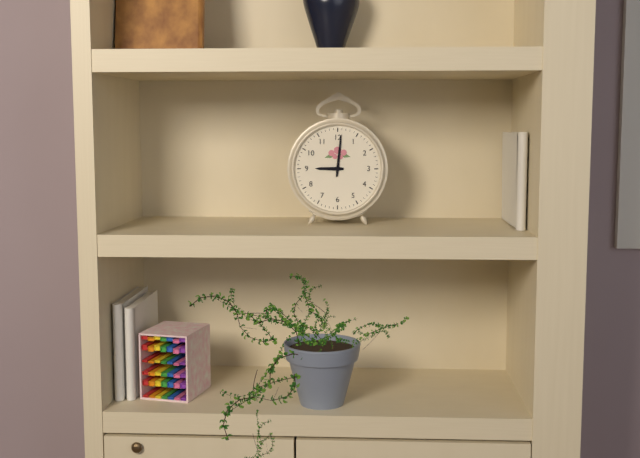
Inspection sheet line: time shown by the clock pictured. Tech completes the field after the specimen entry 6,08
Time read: 9,01
